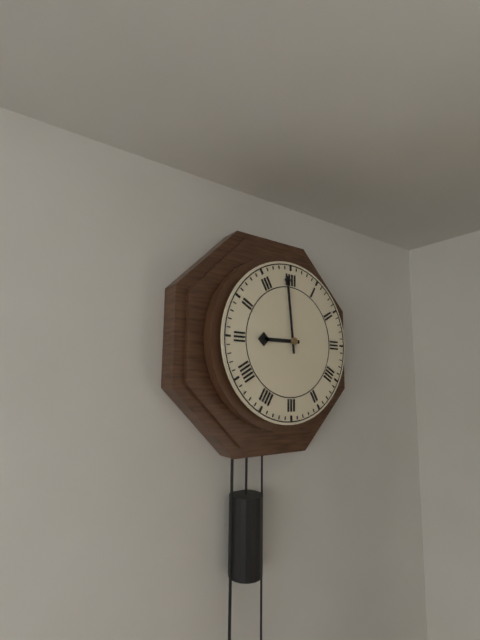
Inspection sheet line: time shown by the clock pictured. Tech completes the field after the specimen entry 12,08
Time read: 8,59
